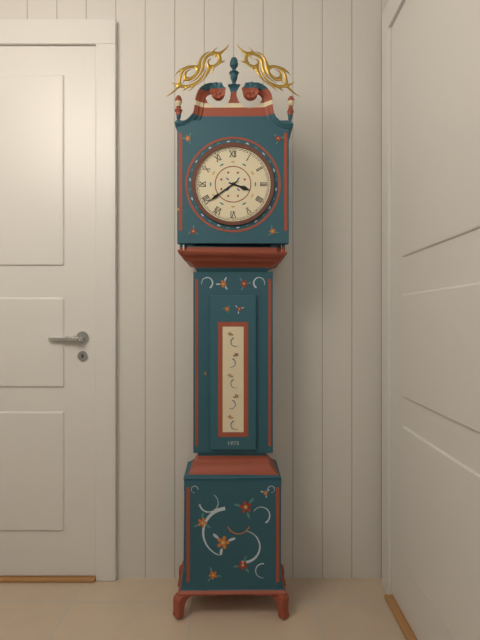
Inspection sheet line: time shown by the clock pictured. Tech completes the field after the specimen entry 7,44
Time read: 3,39
